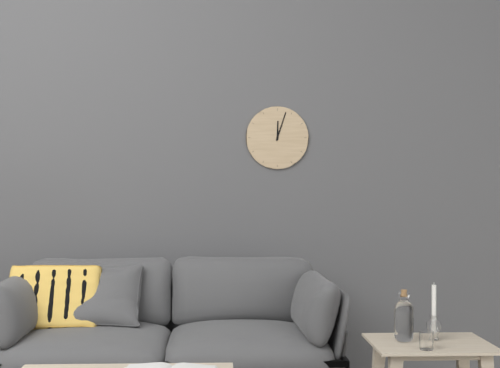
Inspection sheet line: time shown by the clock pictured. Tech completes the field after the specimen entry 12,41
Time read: 12,03
